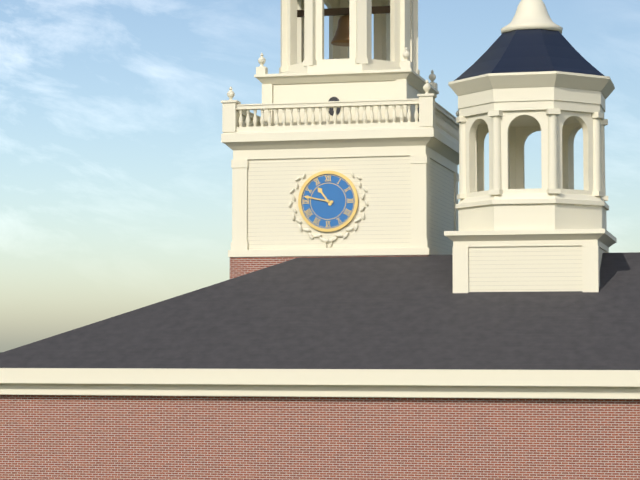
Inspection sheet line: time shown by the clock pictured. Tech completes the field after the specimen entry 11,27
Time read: 10,47
